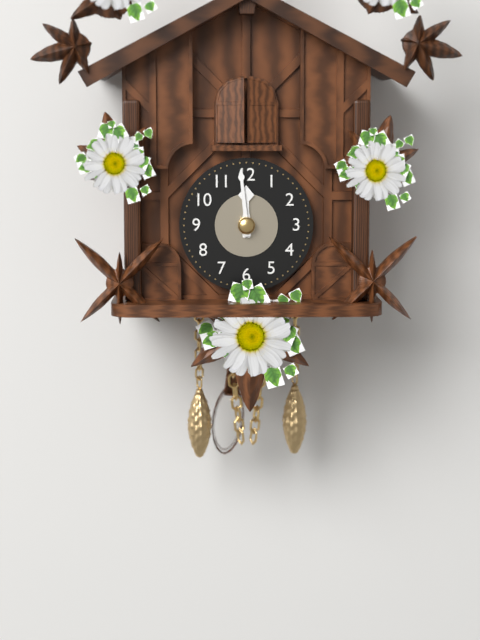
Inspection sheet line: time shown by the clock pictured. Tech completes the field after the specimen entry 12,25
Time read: 11,59
